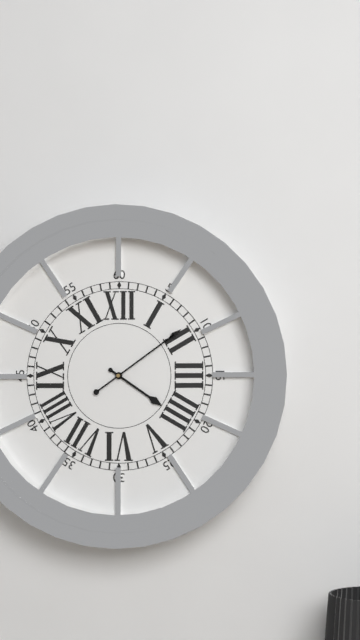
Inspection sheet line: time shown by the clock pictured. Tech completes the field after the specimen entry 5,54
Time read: 4,09
